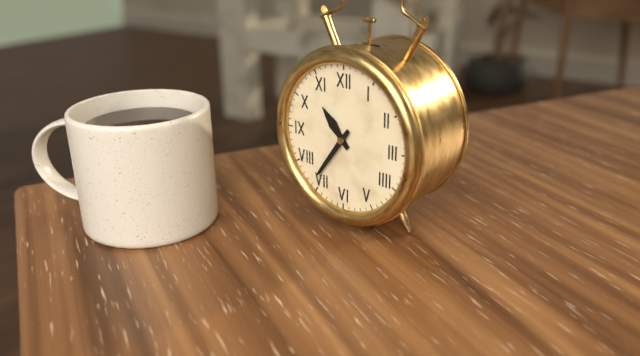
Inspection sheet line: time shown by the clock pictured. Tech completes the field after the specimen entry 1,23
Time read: 10,36
